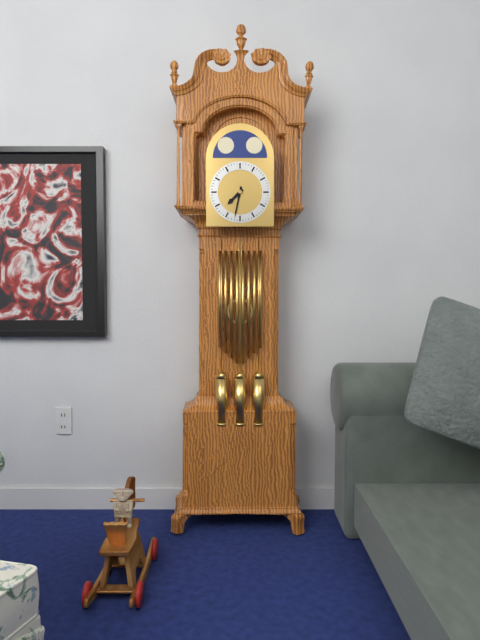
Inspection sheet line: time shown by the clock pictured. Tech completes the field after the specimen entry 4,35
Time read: 7,32
